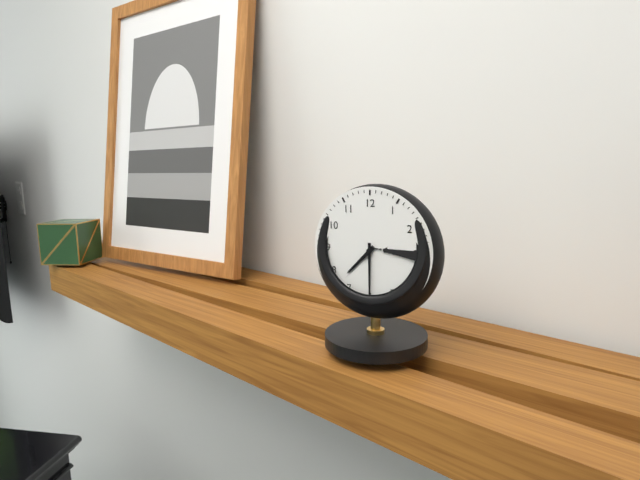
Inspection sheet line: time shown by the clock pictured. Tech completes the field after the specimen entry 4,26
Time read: 7,30
